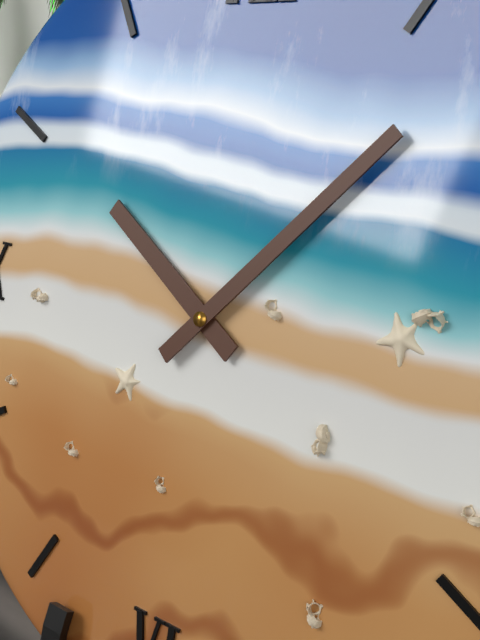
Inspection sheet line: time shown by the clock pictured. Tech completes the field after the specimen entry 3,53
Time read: 10,07
